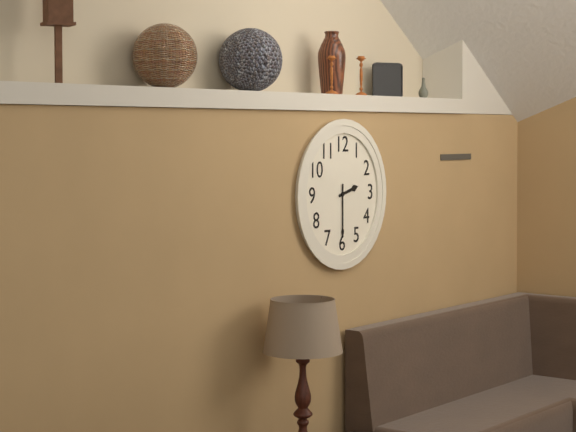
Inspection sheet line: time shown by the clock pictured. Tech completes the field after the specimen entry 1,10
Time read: 2,30
